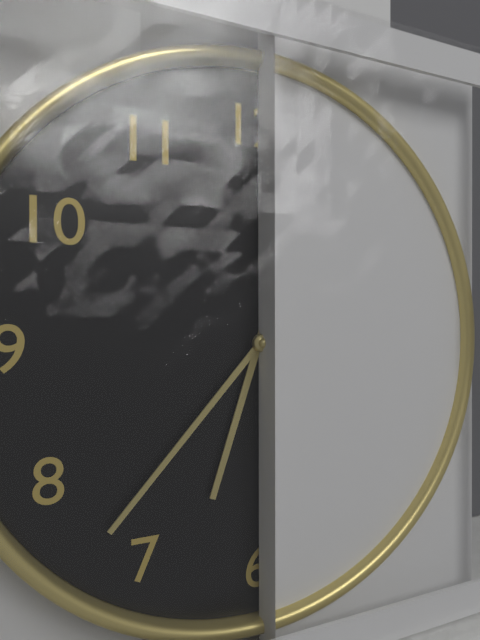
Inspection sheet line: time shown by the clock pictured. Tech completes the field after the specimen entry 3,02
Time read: 6,37
